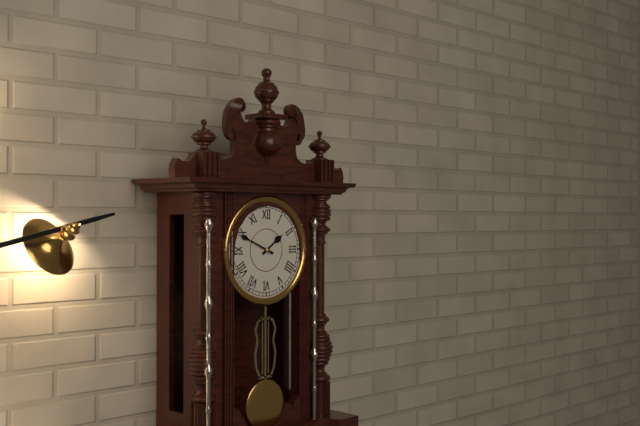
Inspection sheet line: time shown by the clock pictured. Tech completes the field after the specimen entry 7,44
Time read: 1,49
